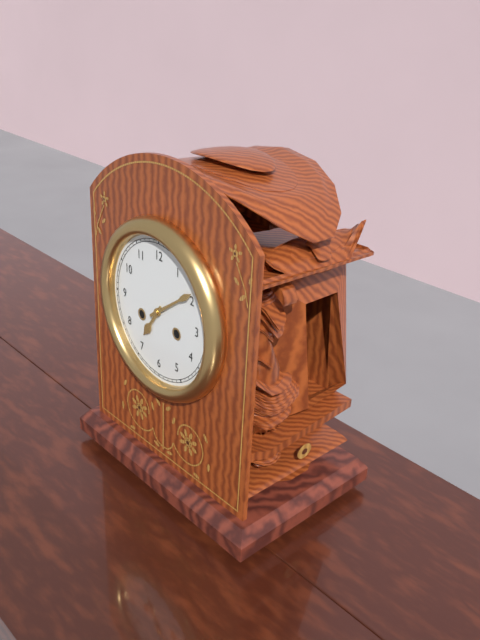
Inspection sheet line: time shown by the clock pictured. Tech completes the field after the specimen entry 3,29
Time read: 7,09
